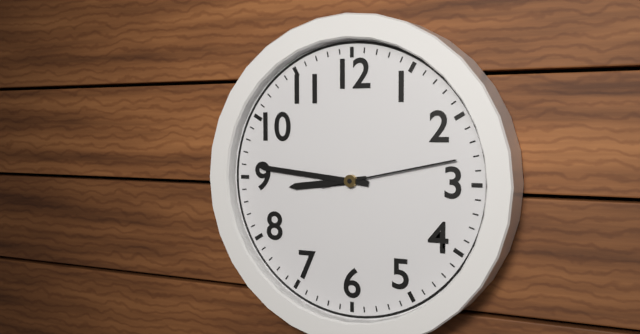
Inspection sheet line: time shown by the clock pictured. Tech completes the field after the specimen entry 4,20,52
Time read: 8,46,13
